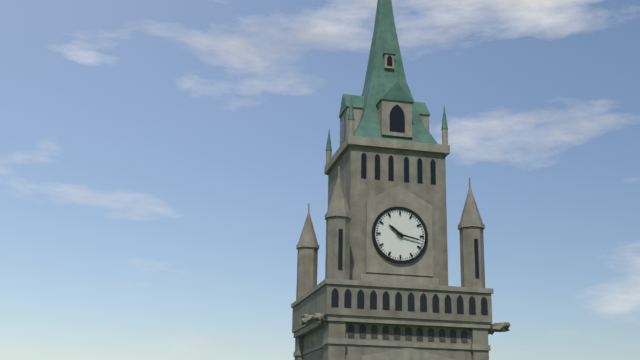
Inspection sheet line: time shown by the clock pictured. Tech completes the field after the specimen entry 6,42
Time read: 10,17
